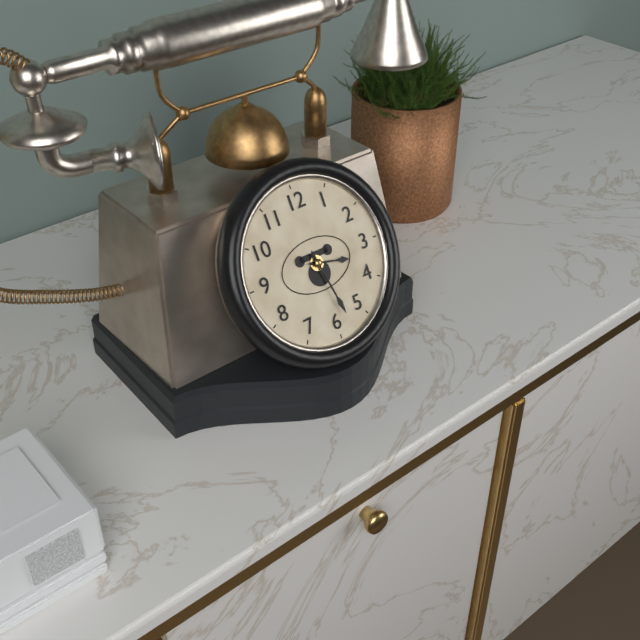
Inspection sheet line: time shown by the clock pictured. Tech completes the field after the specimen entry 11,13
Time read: 3,28
